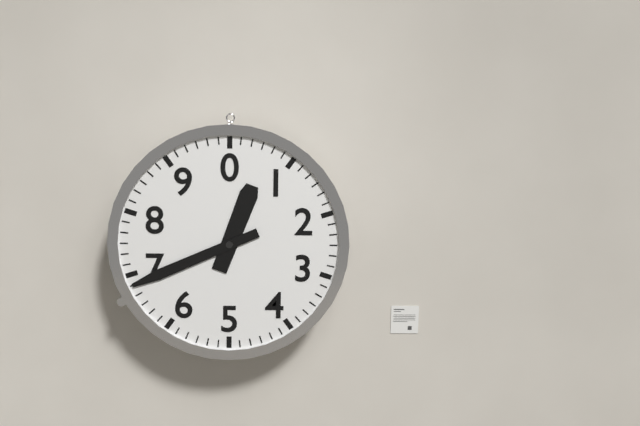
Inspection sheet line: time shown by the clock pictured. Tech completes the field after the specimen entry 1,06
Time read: 12,41
